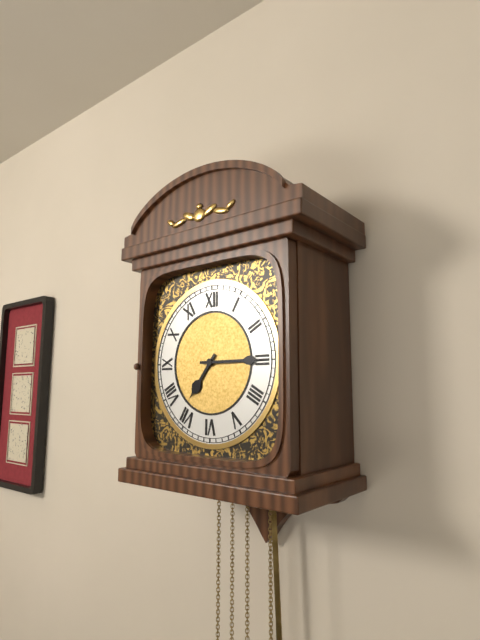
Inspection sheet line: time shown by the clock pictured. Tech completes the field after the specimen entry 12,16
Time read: 7,15
